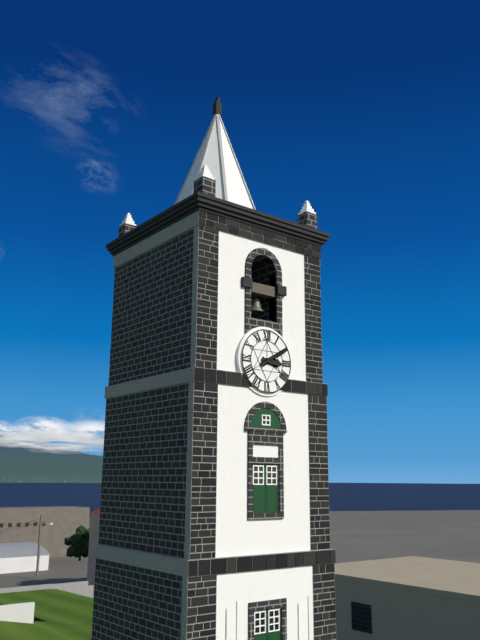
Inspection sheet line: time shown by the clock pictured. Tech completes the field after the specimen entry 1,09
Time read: 3,10
